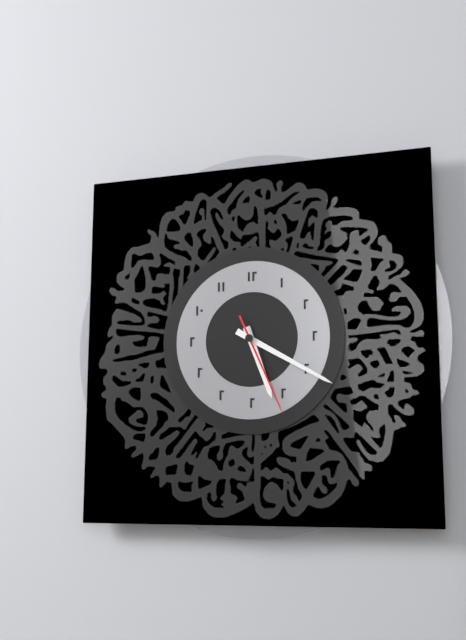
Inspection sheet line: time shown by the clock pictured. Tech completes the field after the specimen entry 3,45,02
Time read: 5,20,26
